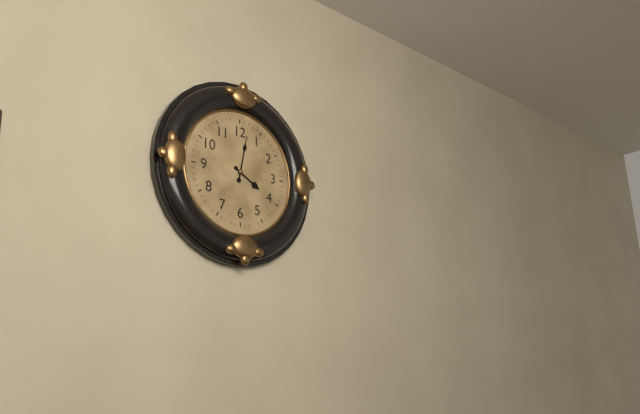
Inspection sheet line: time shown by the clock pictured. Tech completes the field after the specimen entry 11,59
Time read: 4,02
